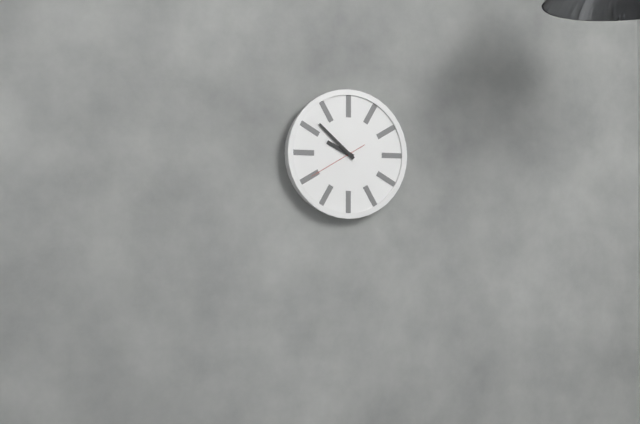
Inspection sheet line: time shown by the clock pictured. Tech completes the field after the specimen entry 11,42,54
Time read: 9,52,40
